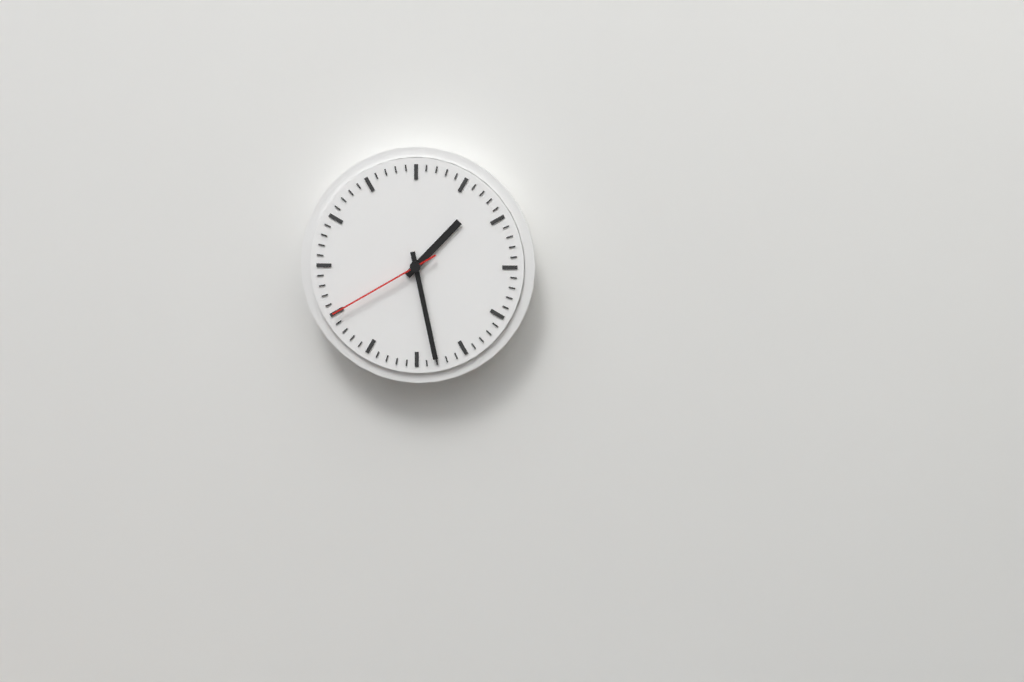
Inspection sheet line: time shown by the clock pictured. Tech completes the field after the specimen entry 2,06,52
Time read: 1,28,40
